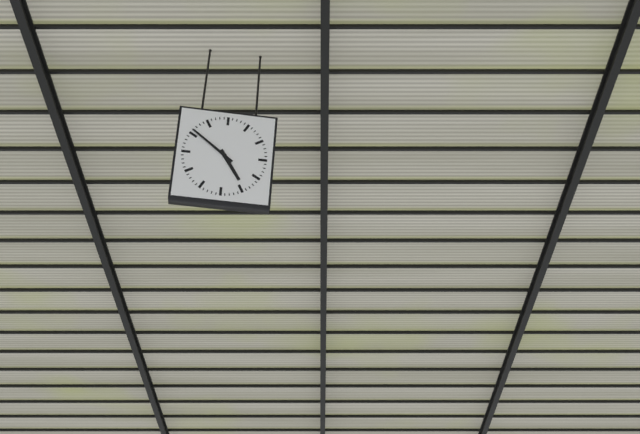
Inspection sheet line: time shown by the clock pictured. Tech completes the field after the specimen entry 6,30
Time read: 4,51
